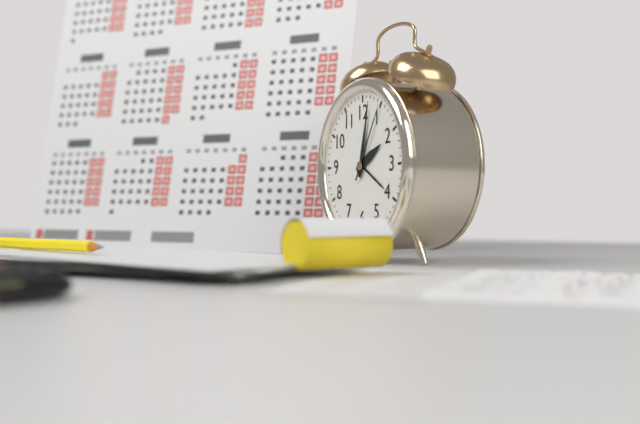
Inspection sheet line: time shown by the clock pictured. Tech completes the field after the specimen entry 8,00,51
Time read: 2,02,05
